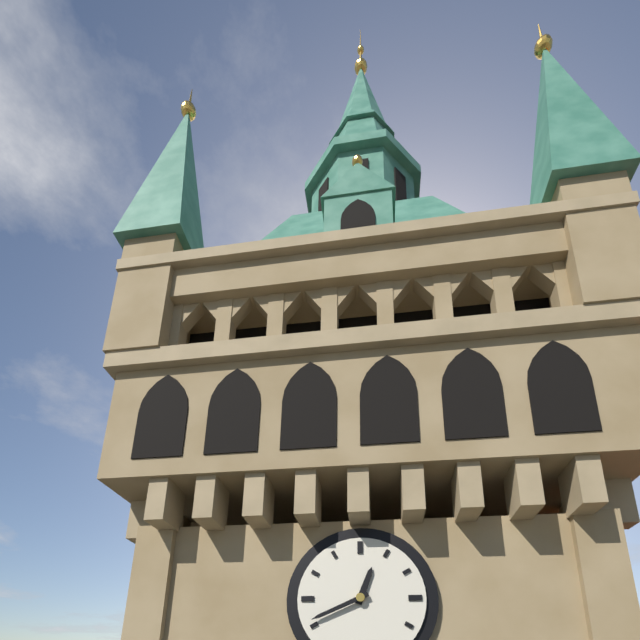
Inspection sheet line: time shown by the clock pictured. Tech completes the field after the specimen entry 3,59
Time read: 12,41
